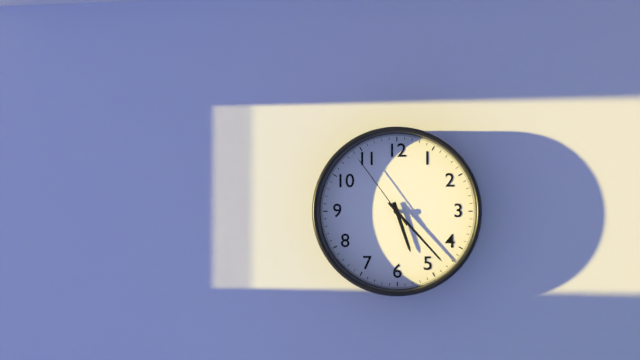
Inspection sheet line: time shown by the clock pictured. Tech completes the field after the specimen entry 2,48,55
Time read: 5,23,54
